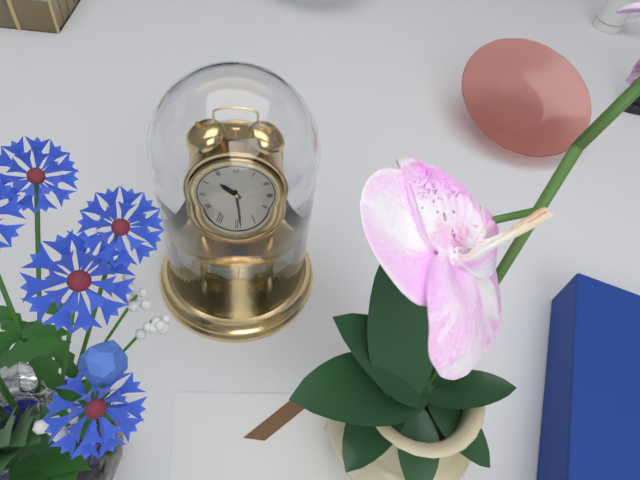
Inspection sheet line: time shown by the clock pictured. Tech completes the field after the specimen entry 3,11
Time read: 10,29
